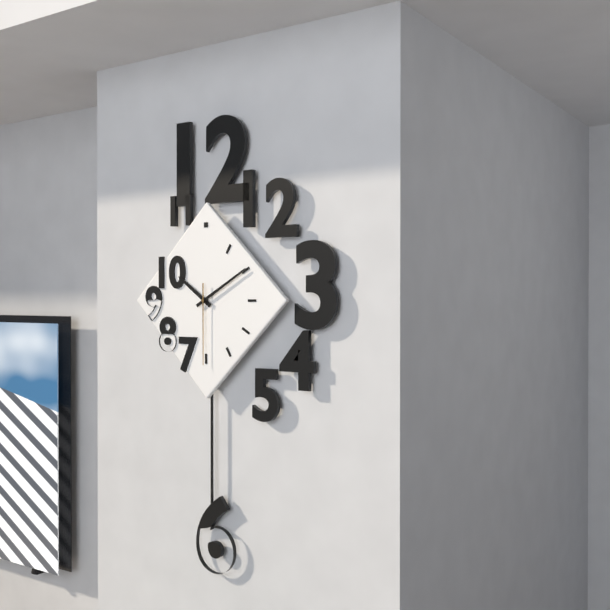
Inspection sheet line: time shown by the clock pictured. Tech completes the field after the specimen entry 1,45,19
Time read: 10,10,30
